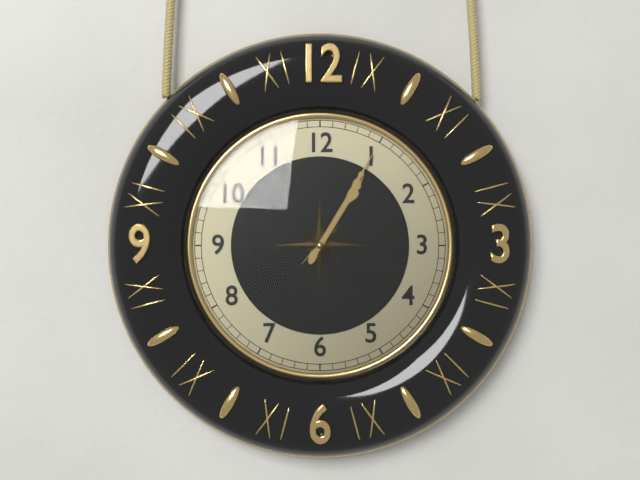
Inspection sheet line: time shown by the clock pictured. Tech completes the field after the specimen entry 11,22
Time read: 1,05
